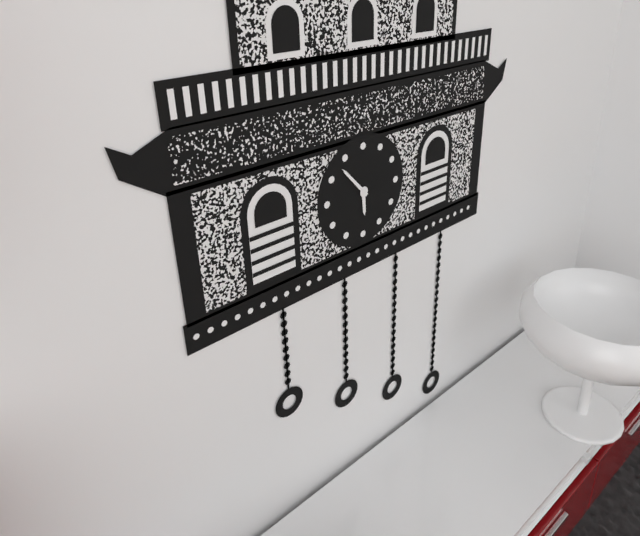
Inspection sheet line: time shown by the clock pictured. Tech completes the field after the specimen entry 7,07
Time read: 5,53
